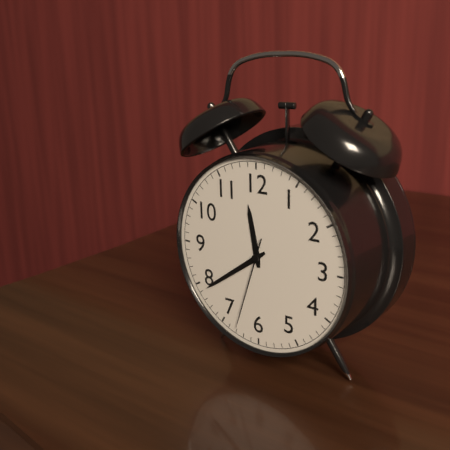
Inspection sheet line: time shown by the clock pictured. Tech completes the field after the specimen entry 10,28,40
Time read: 11,39,33
